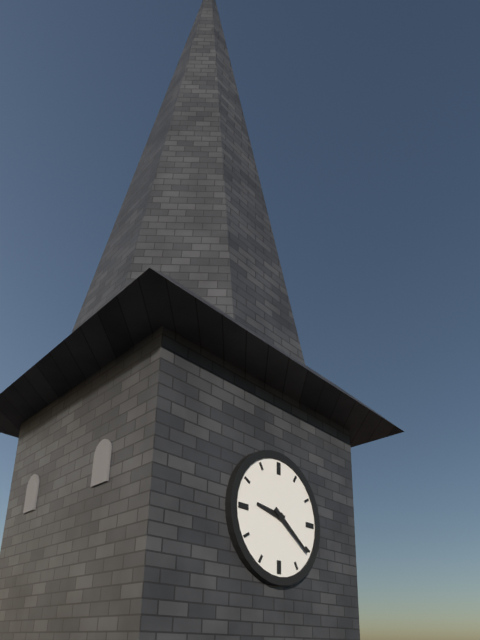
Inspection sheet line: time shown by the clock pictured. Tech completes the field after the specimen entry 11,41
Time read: 9,21
